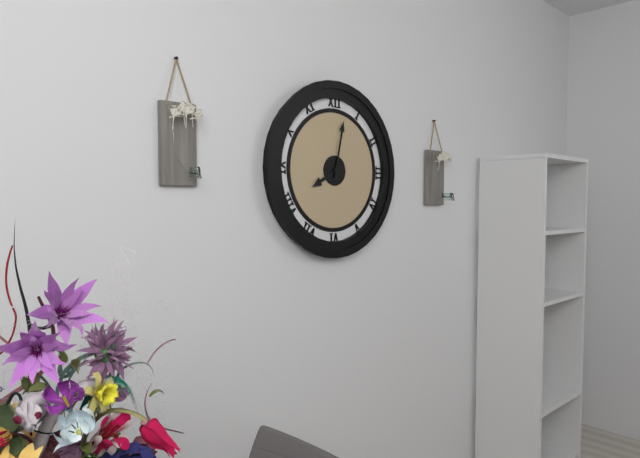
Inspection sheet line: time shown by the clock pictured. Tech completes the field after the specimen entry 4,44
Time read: 8,02
